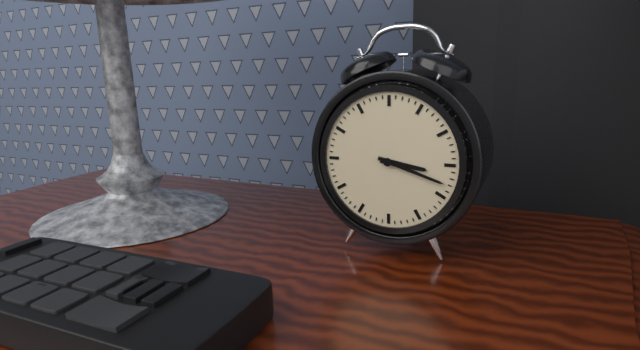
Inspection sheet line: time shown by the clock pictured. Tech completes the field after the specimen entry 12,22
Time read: 3,18
